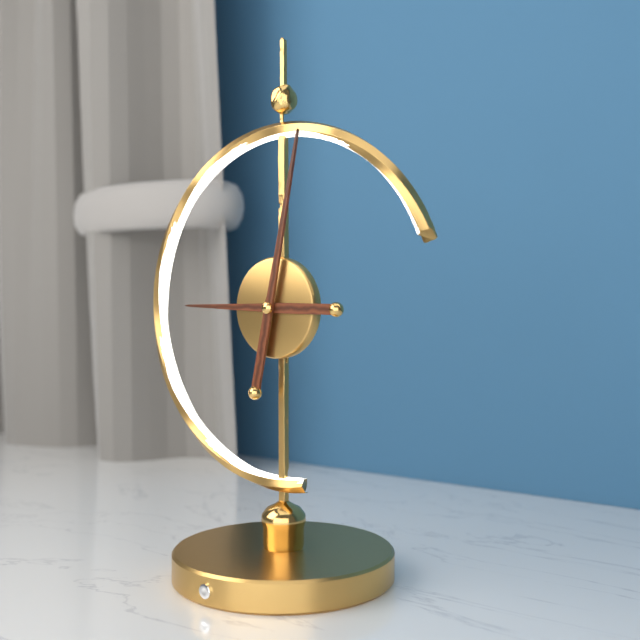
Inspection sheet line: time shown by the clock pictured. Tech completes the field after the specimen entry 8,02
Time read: 9,02
